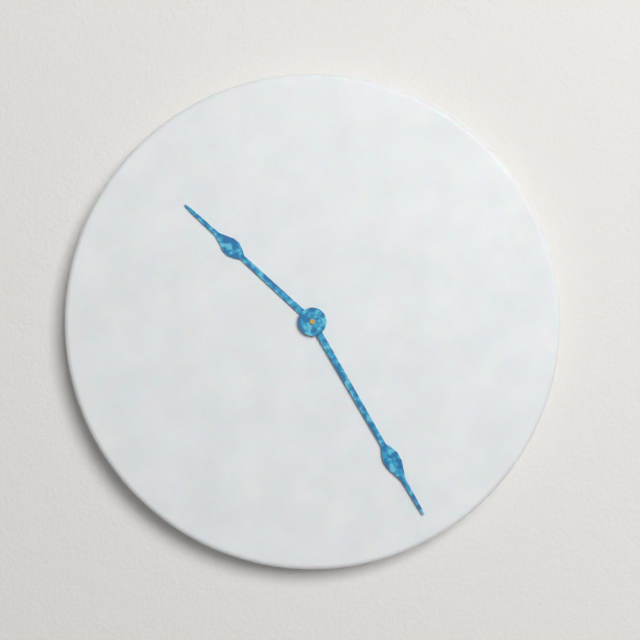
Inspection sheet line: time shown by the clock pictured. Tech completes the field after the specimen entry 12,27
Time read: 10,25
